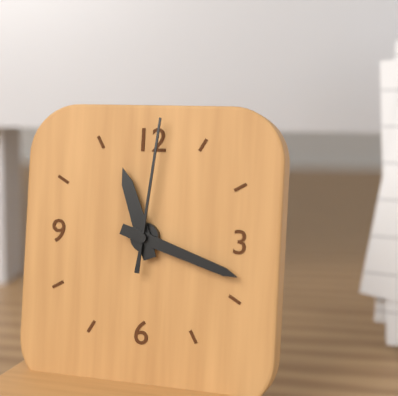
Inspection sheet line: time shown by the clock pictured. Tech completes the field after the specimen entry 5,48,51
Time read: 11,18,01
